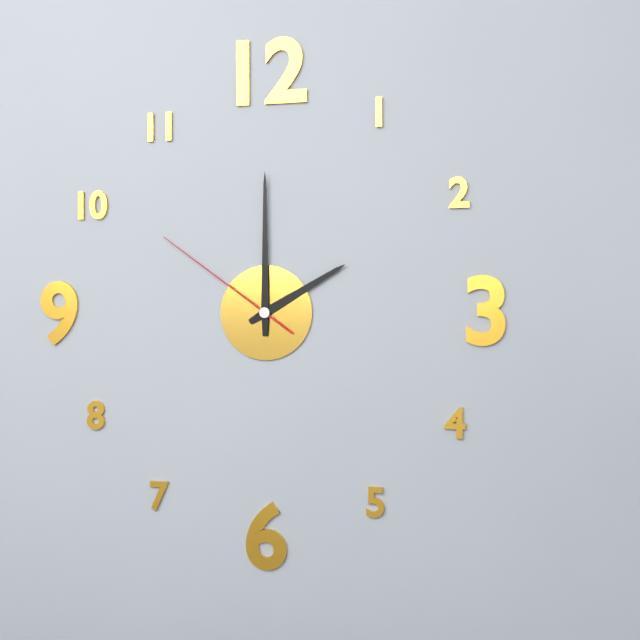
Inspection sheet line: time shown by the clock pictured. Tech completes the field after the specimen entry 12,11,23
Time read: 2,00,51
